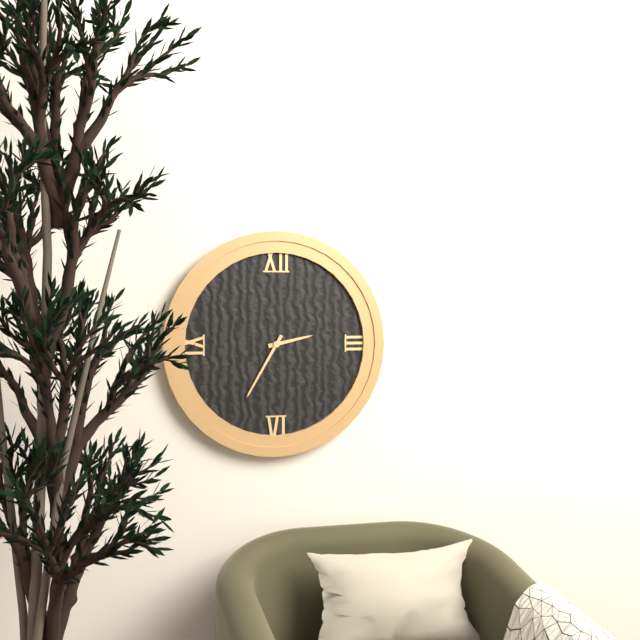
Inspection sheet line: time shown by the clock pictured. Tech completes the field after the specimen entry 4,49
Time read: 2,35
